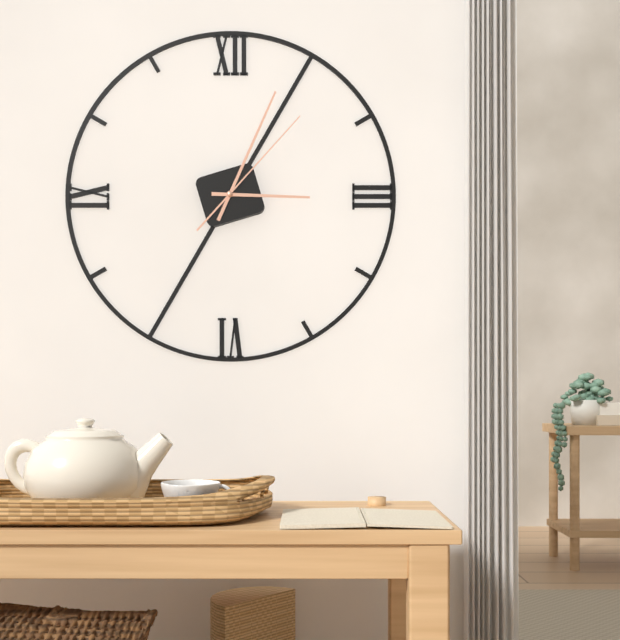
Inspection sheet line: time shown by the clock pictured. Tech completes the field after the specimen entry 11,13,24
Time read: 3,04,07
